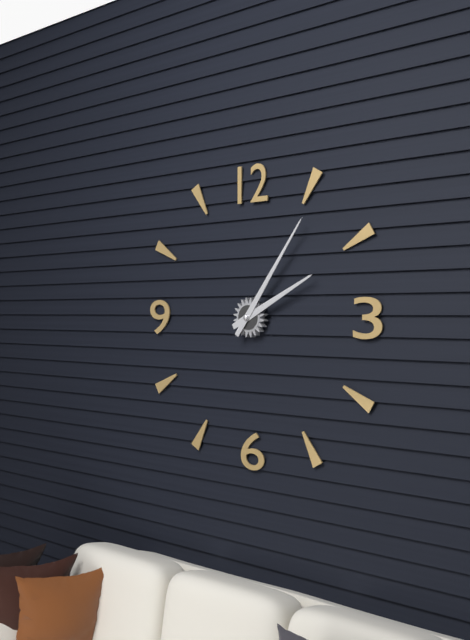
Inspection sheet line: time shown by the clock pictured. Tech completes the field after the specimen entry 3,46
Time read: 2,06
